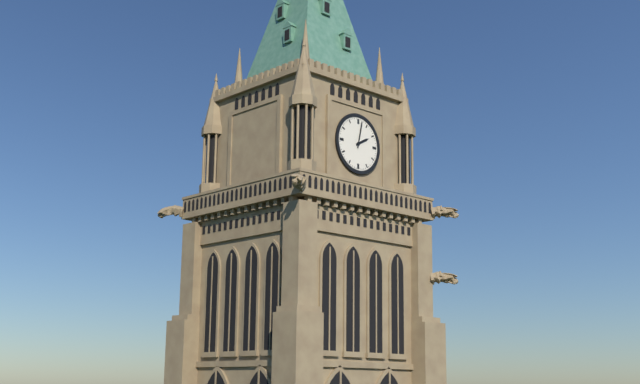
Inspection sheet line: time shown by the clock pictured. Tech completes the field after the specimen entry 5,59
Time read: 2,02
